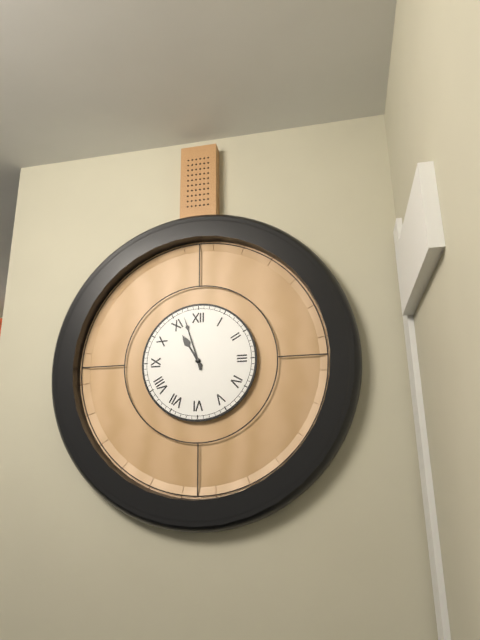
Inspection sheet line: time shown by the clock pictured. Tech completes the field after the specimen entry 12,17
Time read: 10,57
